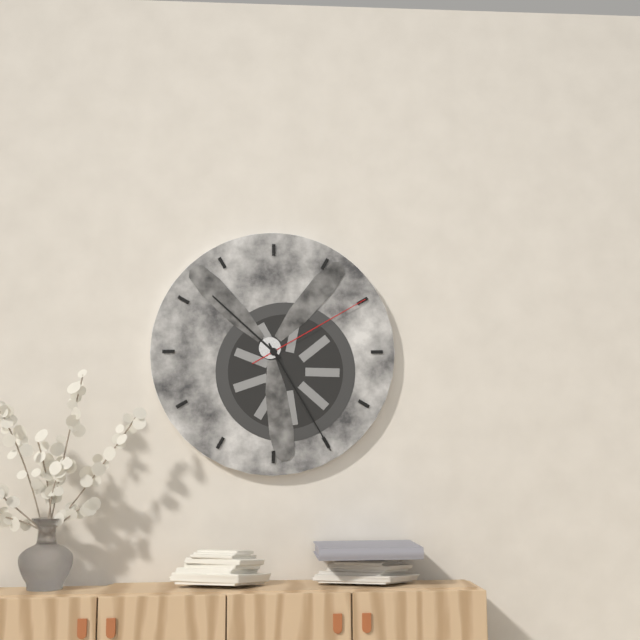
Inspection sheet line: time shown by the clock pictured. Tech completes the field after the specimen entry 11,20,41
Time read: 10,25,10
